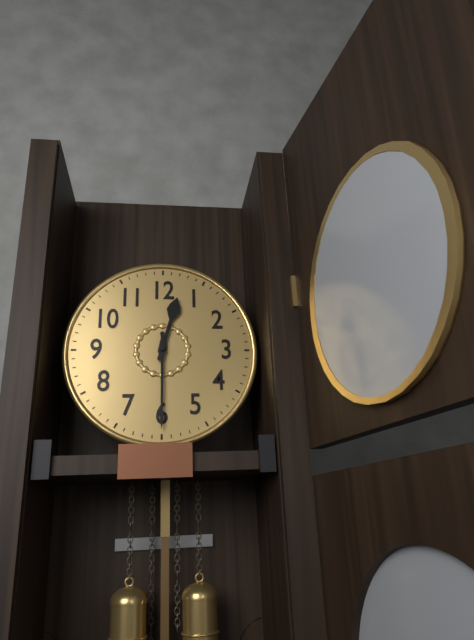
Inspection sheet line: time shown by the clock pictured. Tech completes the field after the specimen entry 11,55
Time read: 12,30
